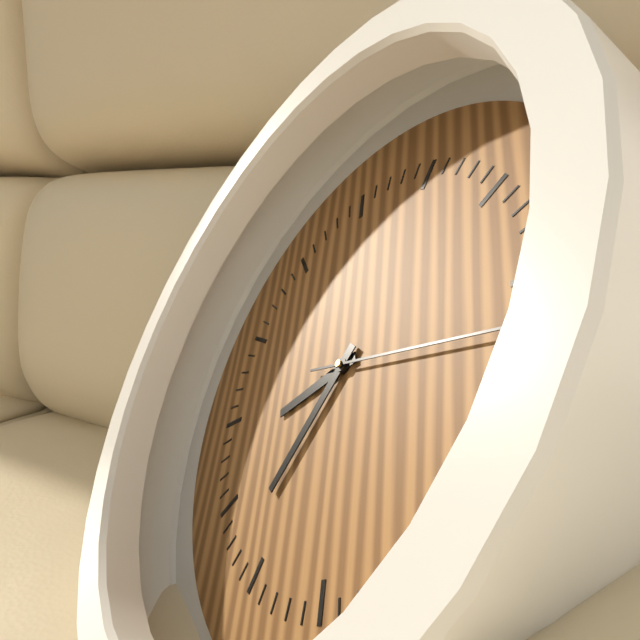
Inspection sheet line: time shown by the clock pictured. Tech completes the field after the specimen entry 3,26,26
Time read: 8,37,17
